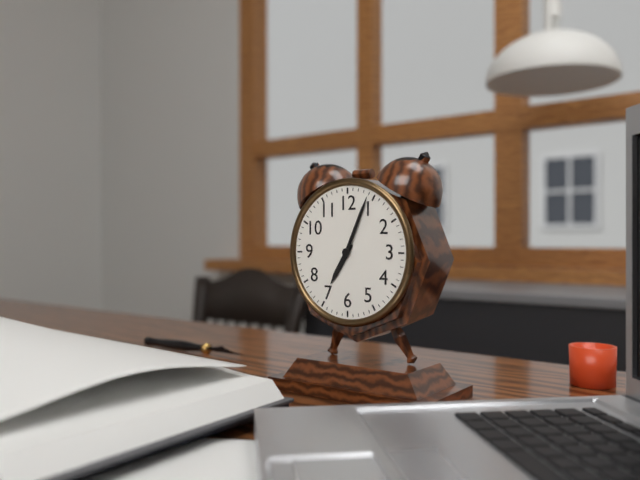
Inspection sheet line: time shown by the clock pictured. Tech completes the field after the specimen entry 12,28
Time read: 7,04
